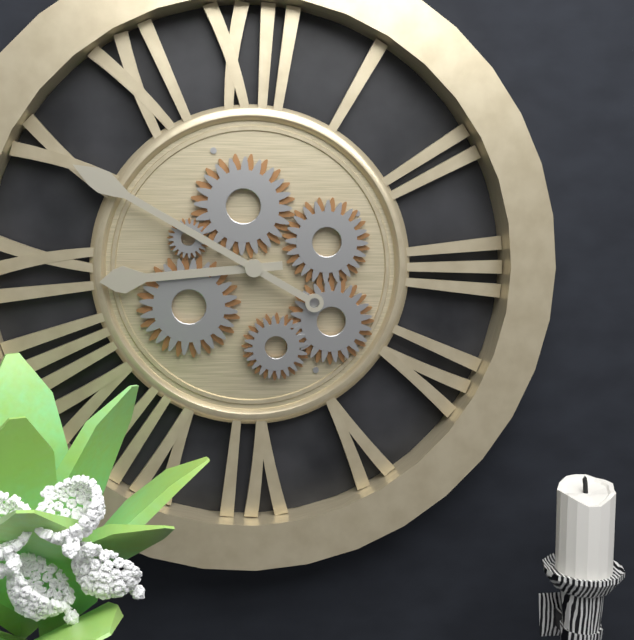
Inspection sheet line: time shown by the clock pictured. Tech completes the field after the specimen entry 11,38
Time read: 8,50
